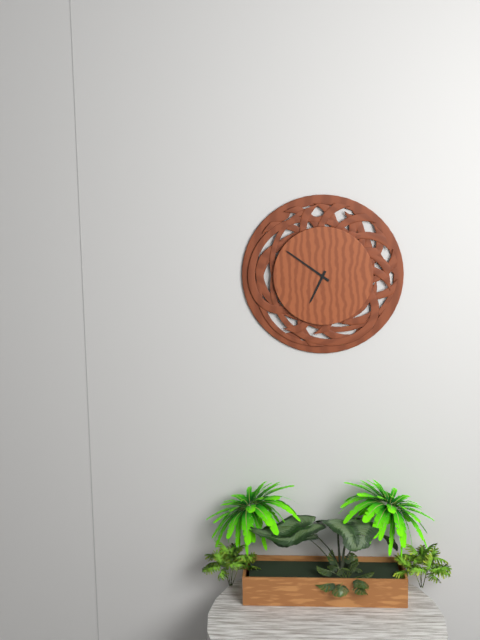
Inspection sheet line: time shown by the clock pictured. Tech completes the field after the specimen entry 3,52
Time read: 6,51
